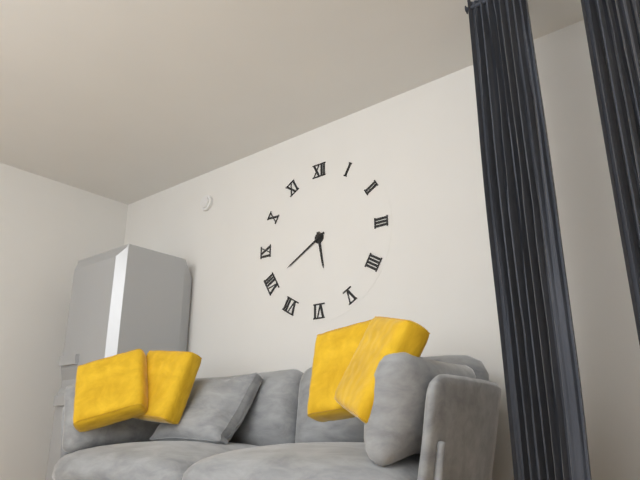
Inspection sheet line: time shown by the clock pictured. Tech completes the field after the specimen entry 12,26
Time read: 5,40
